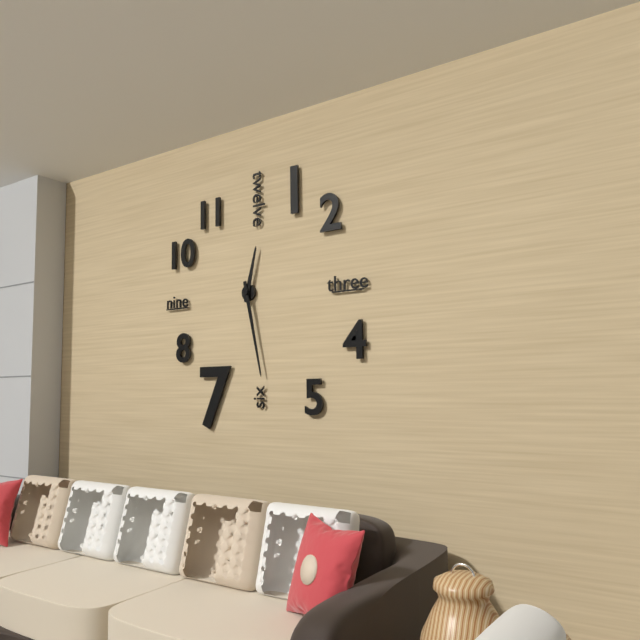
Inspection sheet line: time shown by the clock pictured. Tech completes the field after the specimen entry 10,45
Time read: 12,28
